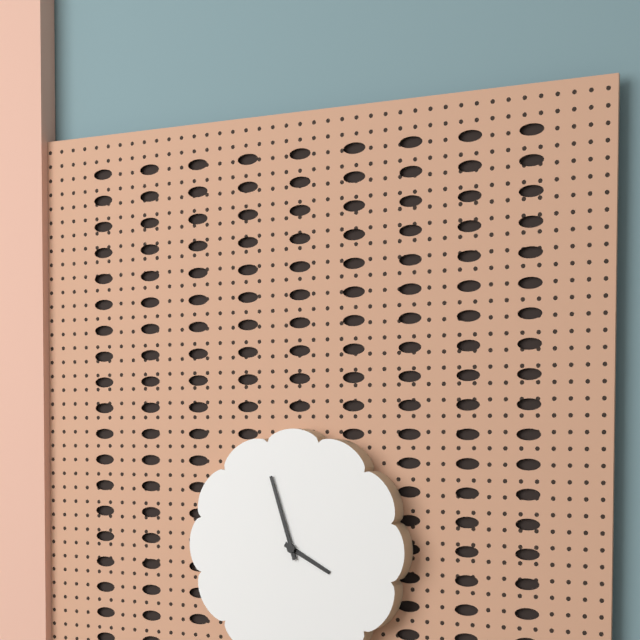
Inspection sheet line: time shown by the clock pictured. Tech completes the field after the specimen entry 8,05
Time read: 3,57
